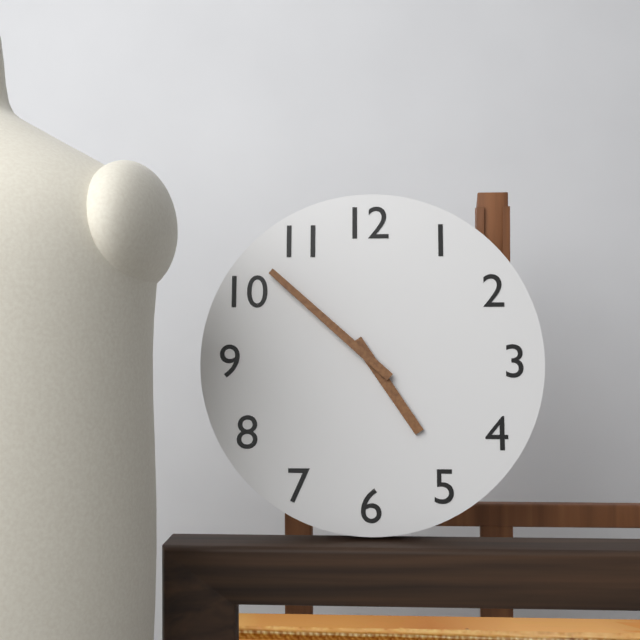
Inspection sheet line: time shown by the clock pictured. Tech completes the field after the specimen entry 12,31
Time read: 4,52
